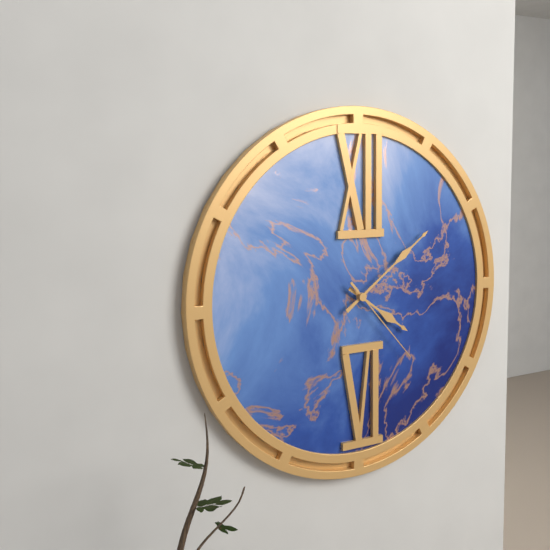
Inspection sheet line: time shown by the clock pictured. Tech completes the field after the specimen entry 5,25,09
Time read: 4,09,23
